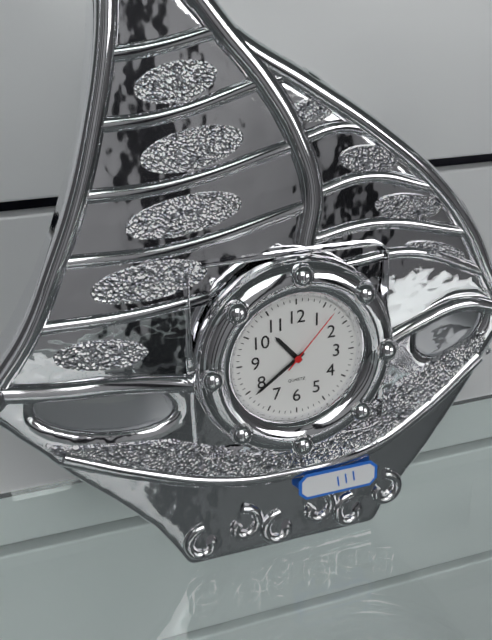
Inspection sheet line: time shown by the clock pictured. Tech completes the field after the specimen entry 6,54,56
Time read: 10,39,07
